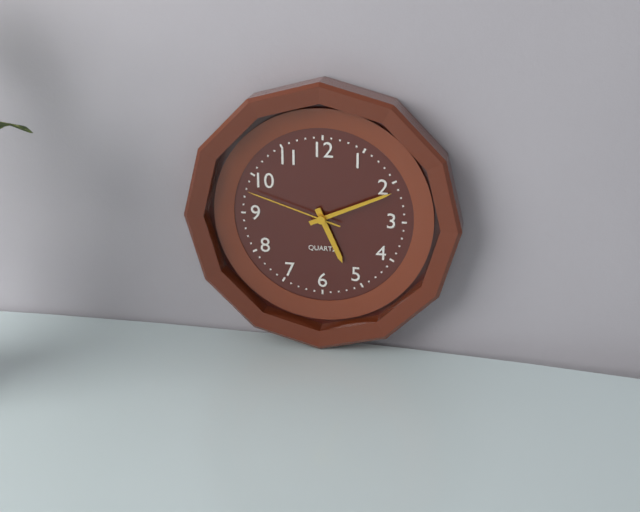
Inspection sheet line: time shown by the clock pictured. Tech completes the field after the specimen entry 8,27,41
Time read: 5,11,48
